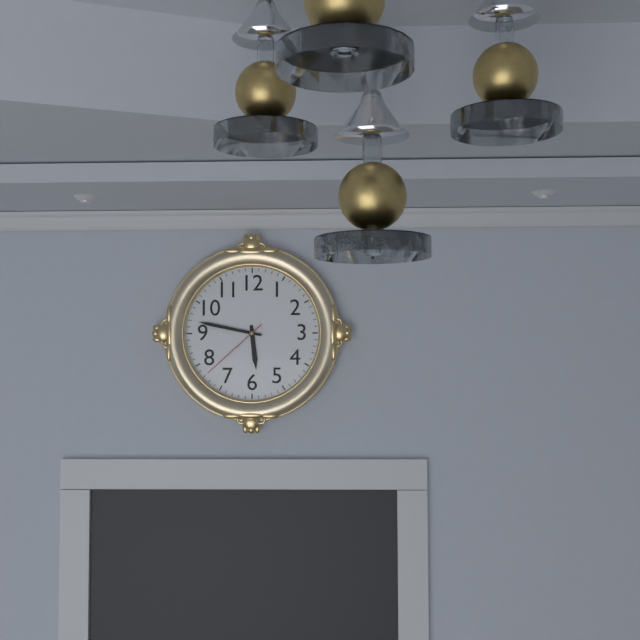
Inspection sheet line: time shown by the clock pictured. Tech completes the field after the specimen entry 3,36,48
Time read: 5,47,38
